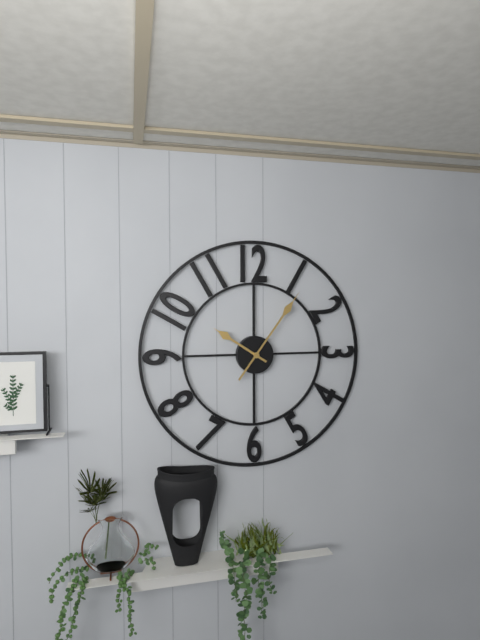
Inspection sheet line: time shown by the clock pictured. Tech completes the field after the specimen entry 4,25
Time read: 10,06
